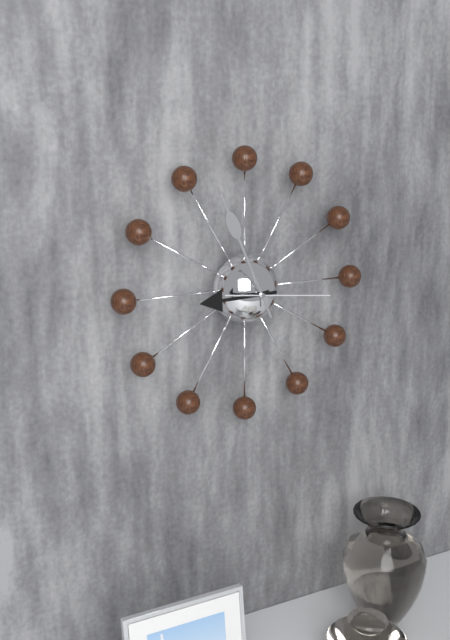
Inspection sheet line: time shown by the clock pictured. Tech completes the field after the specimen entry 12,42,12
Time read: 8,56,16
